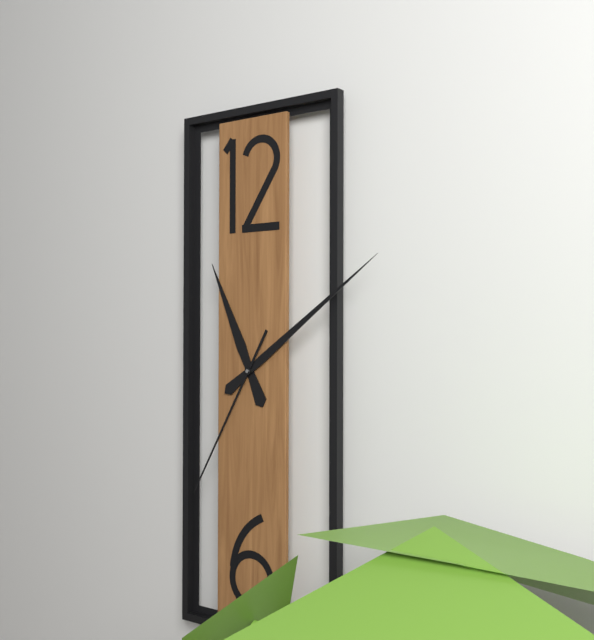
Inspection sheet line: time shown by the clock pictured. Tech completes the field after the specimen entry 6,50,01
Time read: 11,09,35
